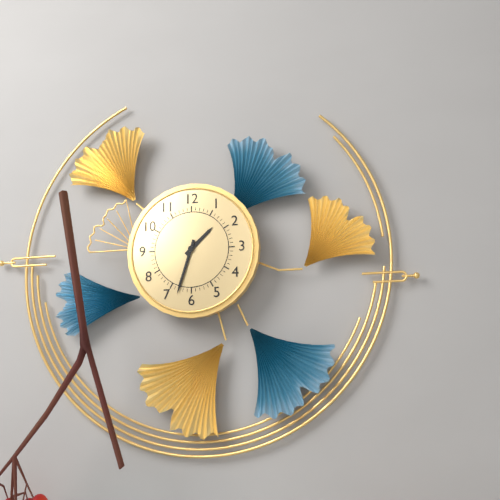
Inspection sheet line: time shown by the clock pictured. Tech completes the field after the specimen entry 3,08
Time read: 1,33
